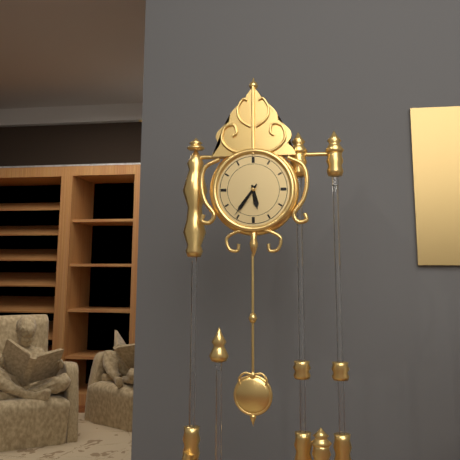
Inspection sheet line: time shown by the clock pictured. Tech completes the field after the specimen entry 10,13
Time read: 5,36
